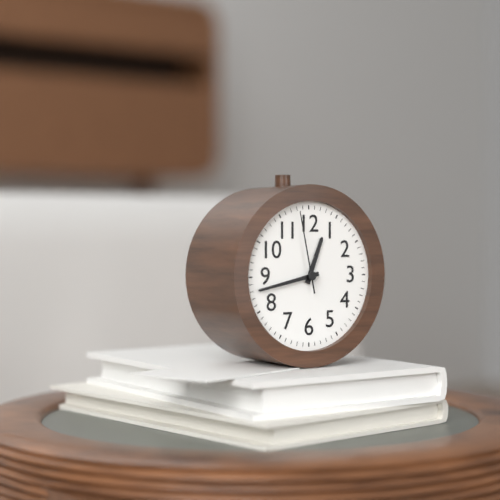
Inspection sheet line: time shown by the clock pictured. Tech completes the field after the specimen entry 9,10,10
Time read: 12,43,58
